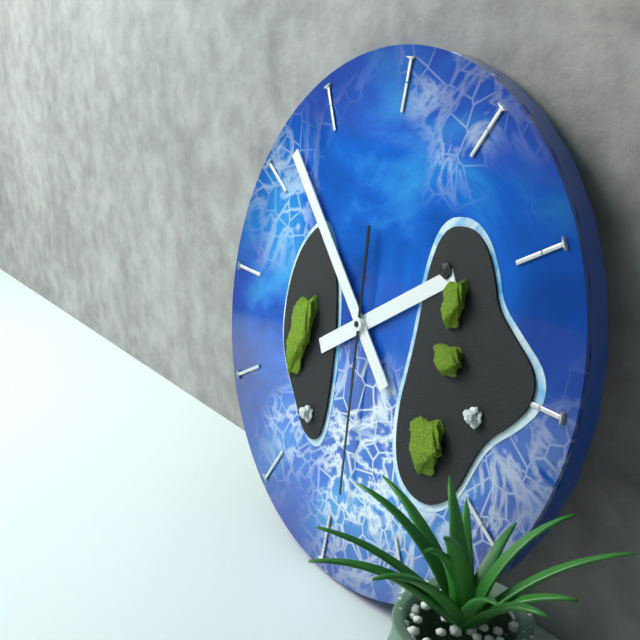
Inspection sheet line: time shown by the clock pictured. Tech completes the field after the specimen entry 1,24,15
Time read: 1,52,29
